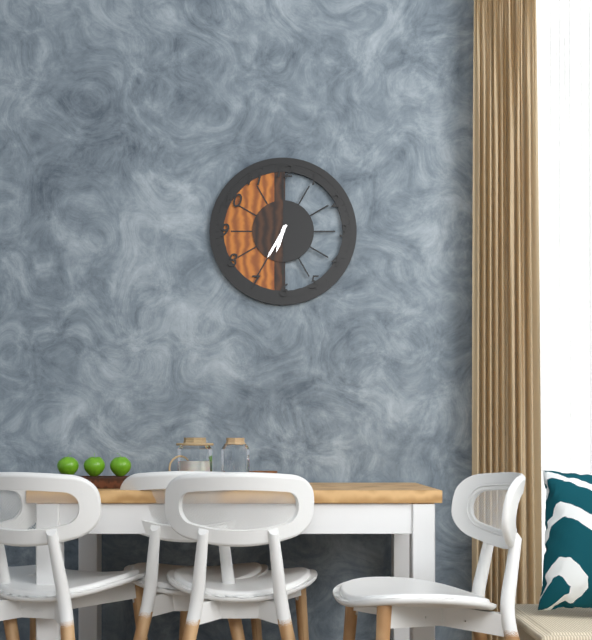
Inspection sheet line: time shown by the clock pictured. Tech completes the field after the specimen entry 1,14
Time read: 6,35
